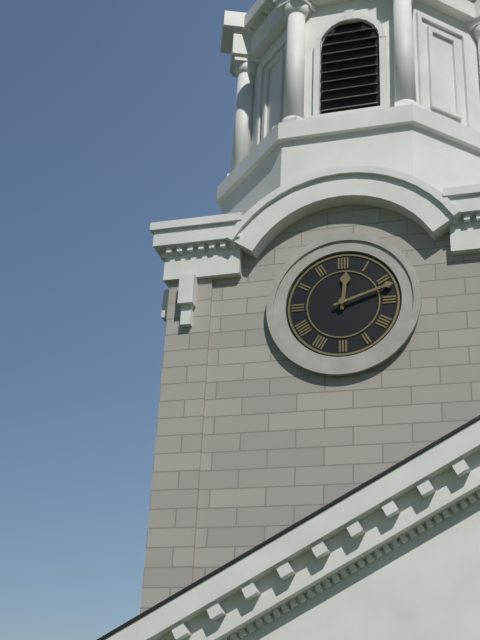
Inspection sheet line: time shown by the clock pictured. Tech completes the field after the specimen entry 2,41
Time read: 12,12
